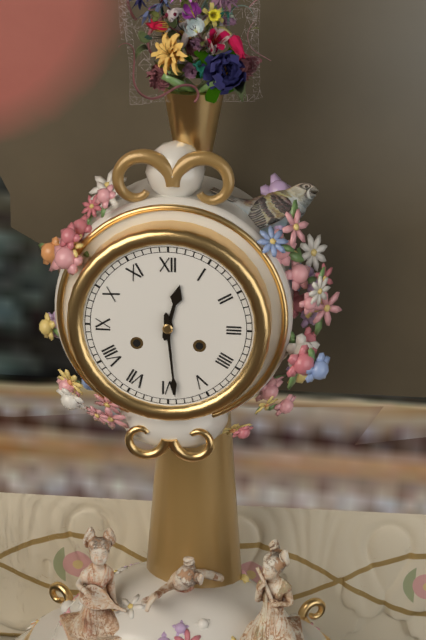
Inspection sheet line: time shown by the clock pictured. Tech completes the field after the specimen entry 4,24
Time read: 12,29
